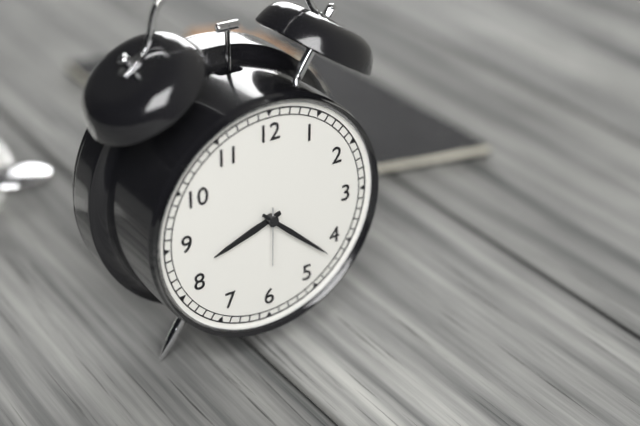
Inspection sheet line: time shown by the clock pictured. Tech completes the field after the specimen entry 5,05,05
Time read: 8,22,30
